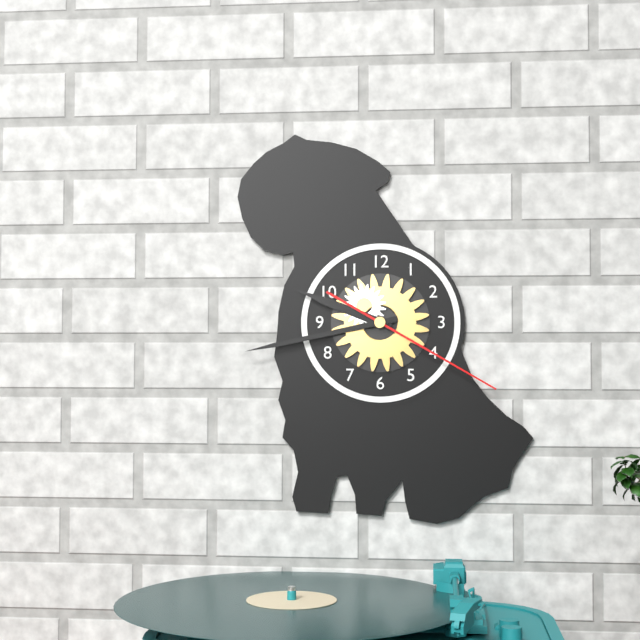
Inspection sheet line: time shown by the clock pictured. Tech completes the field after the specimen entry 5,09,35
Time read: 9,43,20
